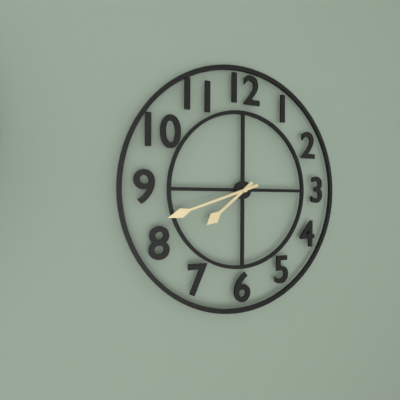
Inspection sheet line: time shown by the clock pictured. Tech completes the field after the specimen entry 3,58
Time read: 7,42
